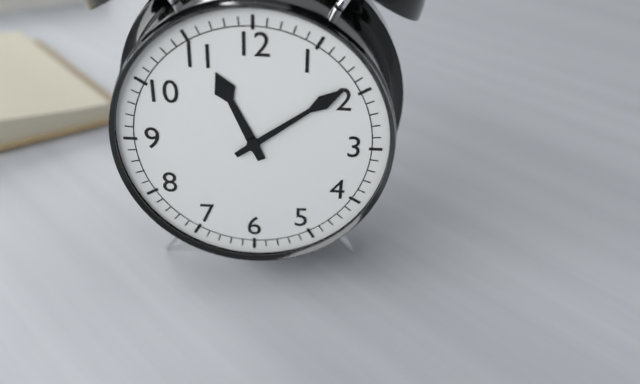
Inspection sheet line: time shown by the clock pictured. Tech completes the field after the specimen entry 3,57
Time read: 11,09
